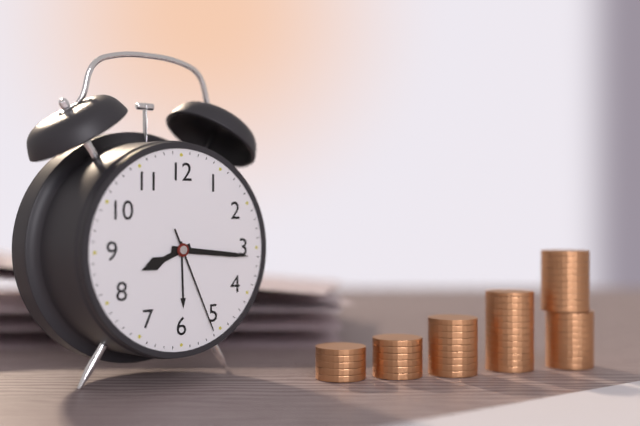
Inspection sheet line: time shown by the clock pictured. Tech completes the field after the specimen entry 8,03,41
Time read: 8,16,26
